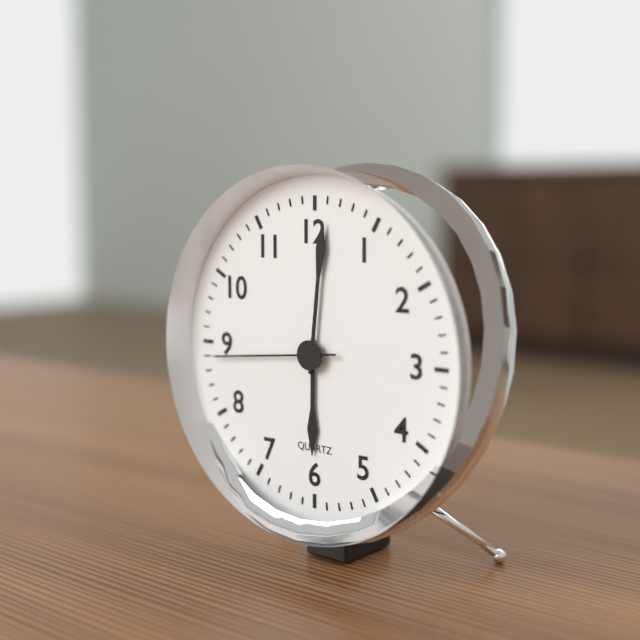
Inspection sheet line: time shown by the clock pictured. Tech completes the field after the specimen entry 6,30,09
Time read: 6,01,44
